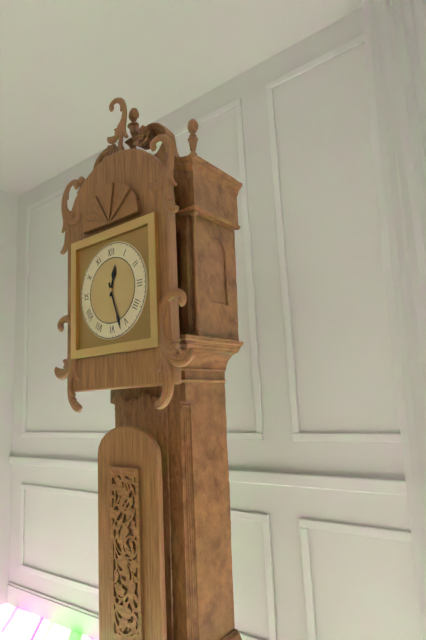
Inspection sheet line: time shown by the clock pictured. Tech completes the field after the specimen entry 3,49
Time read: 12,27
